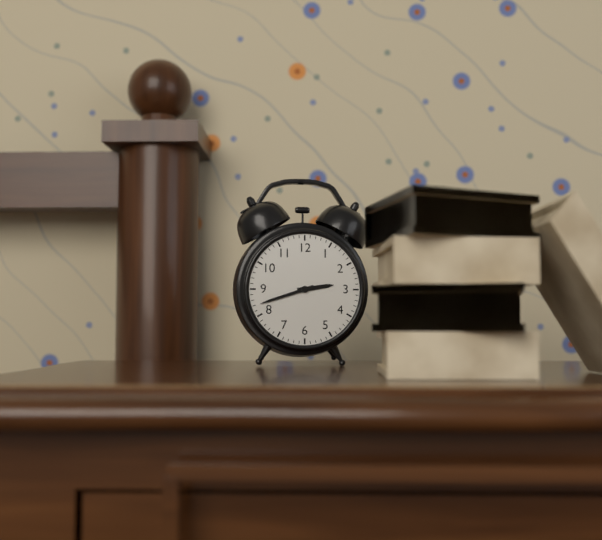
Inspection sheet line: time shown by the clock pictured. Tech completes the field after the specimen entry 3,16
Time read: 2,42
